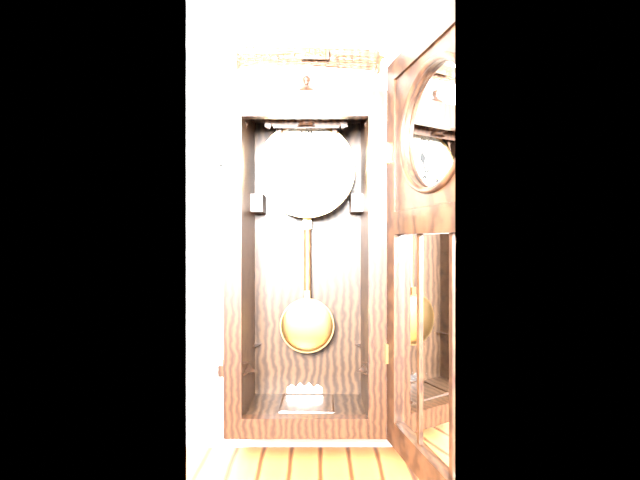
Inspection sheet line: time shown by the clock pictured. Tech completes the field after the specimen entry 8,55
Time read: 12,23
